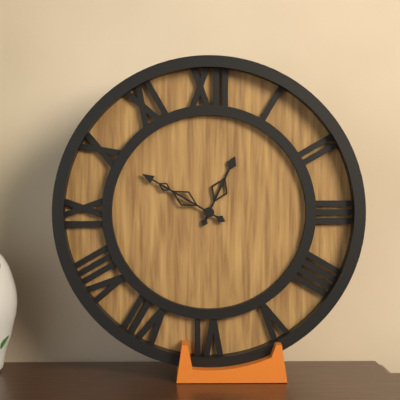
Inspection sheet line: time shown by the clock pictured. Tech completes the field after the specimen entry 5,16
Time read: 12,50
